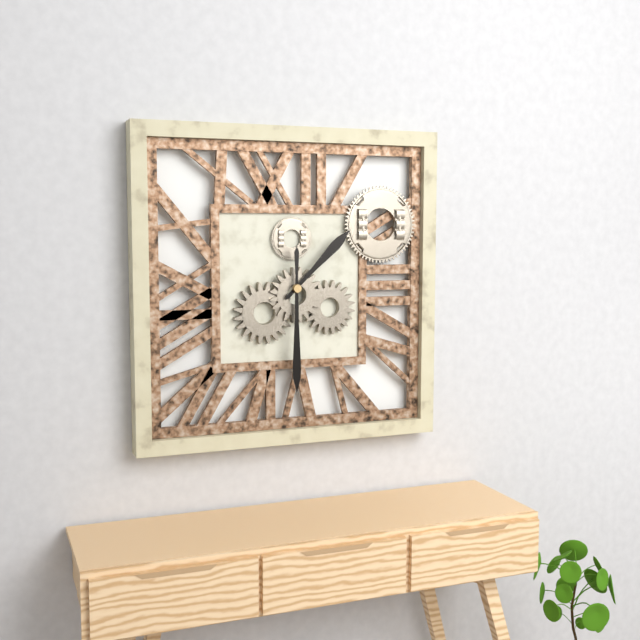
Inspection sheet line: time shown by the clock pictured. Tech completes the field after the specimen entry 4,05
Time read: 1,30
